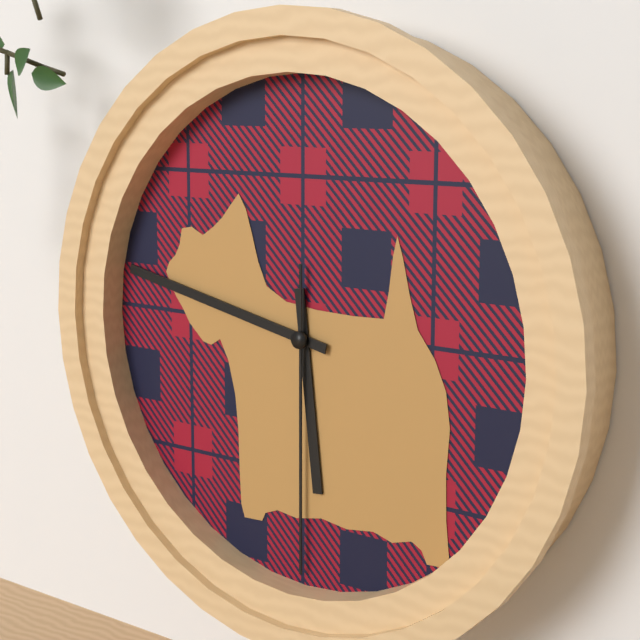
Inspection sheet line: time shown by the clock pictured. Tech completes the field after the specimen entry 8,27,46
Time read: 5,47,30
